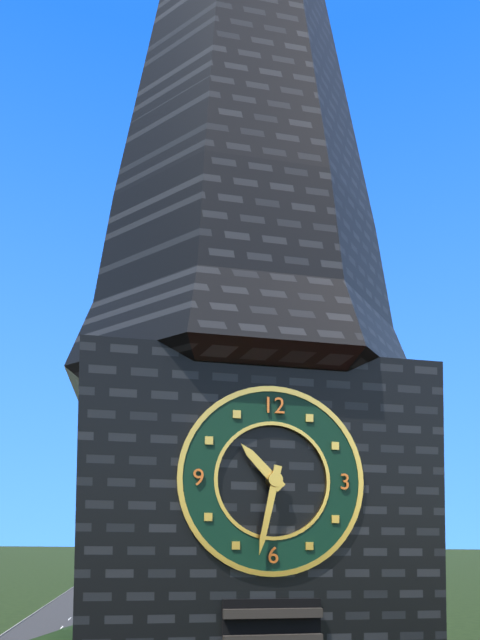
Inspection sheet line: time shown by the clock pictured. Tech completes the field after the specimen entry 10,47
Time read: 10,32
